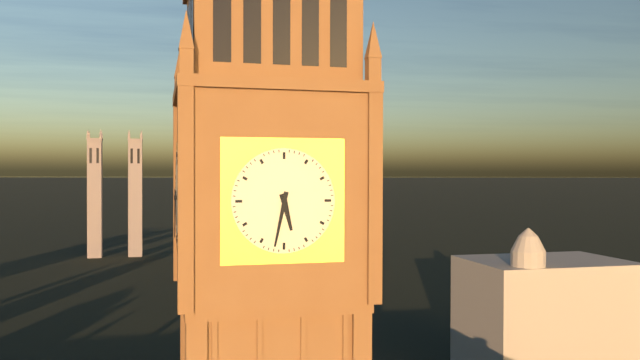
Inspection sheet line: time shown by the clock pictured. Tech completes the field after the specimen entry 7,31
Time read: 5,32
